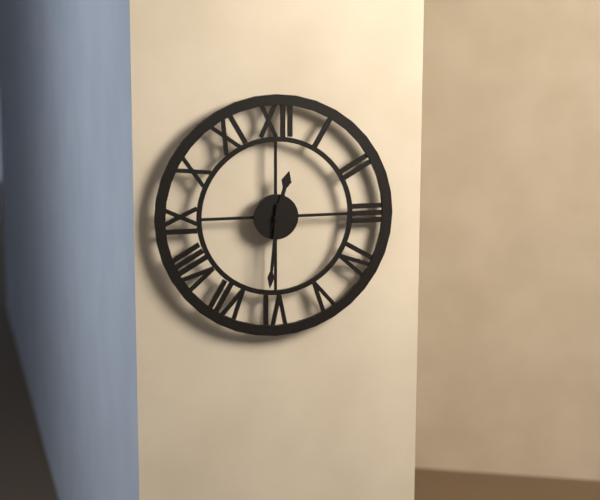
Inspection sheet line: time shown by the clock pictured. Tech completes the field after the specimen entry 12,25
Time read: 12,31
